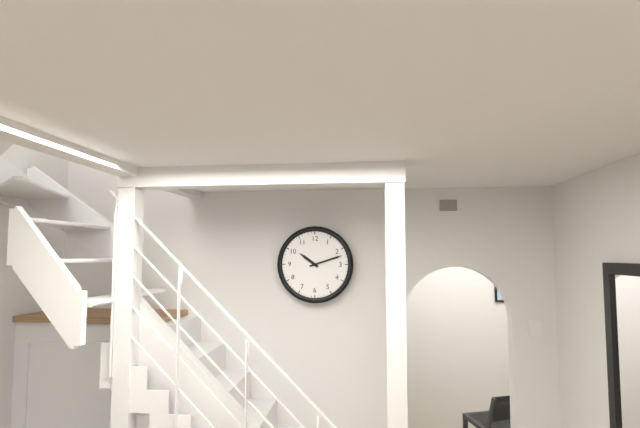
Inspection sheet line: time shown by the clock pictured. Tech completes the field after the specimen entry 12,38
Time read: 10,12
